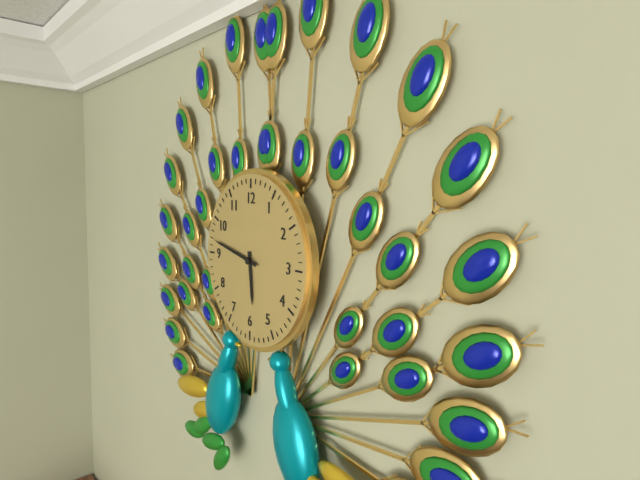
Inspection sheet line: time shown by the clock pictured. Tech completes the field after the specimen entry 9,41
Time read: 5,47
